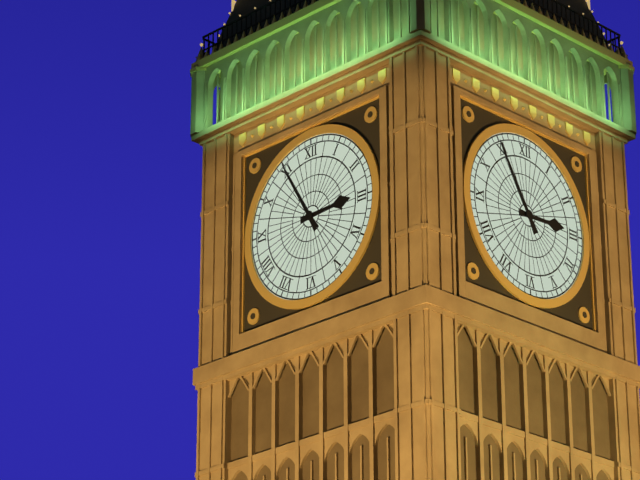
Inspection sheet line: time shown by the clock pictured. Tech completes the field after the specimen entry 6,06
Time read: 2,55
